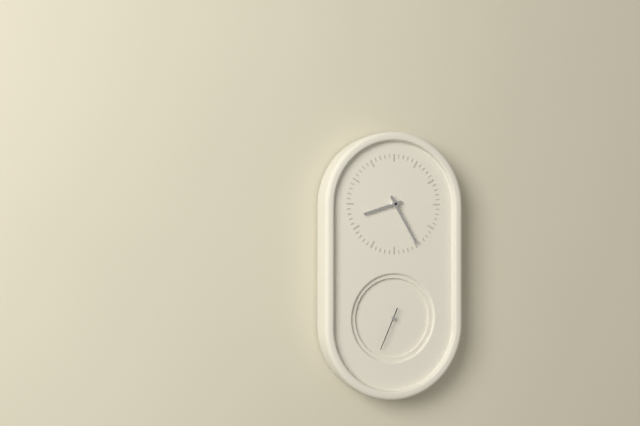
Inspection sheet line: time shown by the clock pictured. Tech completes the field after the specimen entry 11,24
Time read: 8,25
